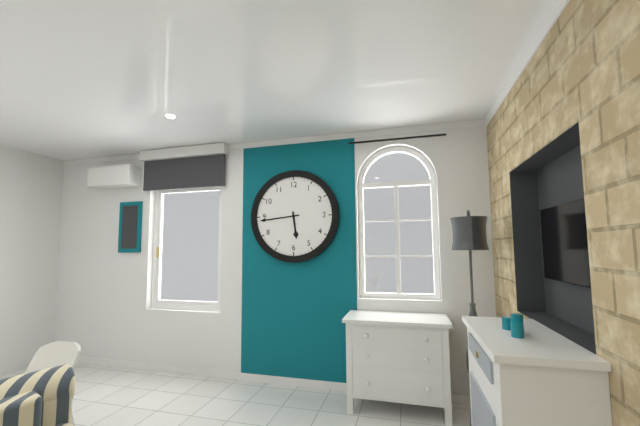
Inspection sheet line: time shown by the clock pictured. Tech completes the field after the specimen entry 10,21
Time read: 5,44
